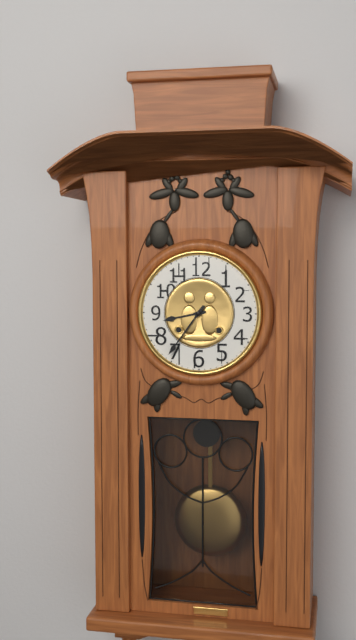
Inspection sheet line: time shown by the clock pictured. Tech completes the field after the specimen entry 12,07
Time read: 8,36
